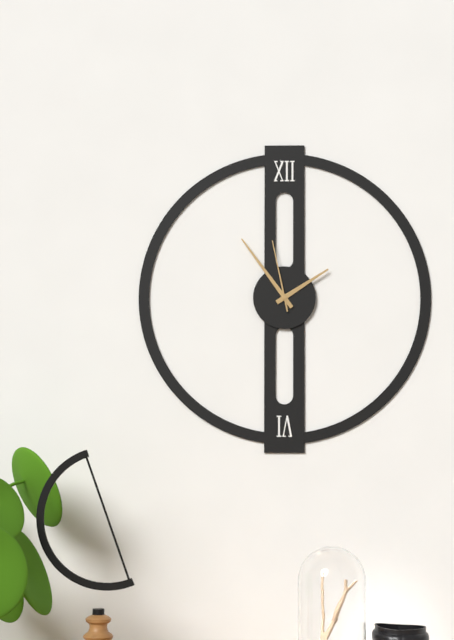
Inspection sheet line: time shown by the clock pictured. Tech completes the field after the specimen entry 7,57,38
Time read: 1,54,58
